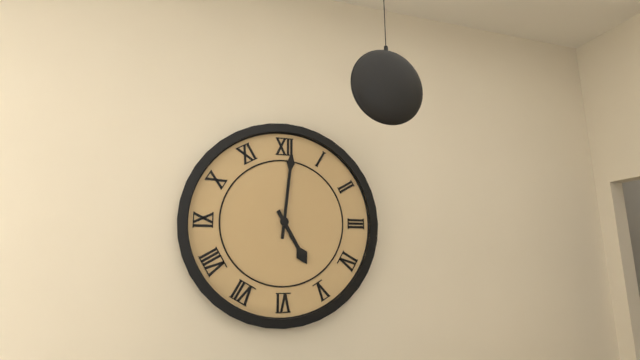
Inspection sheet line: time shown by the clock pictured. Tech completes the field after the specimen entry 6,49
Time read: 5,01
